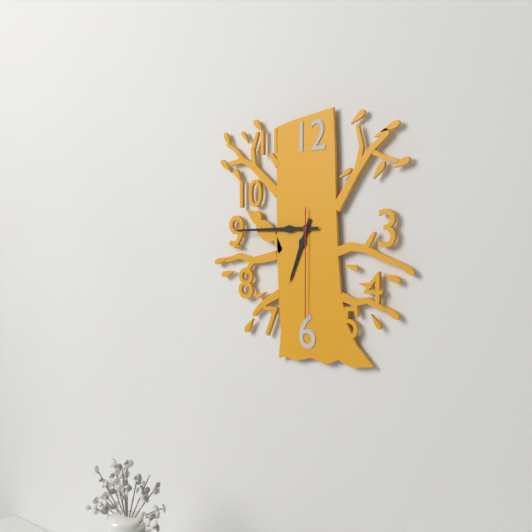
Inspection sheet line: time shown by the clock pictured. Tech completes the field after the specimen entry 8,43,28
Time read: 6,45,30
